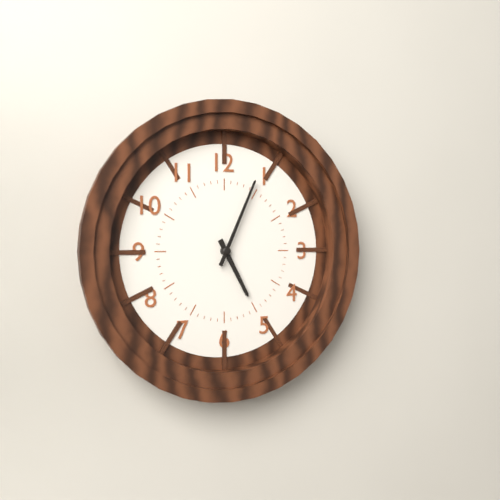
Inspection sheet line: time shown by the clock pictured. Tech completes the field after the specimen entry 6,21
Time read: 5,04
